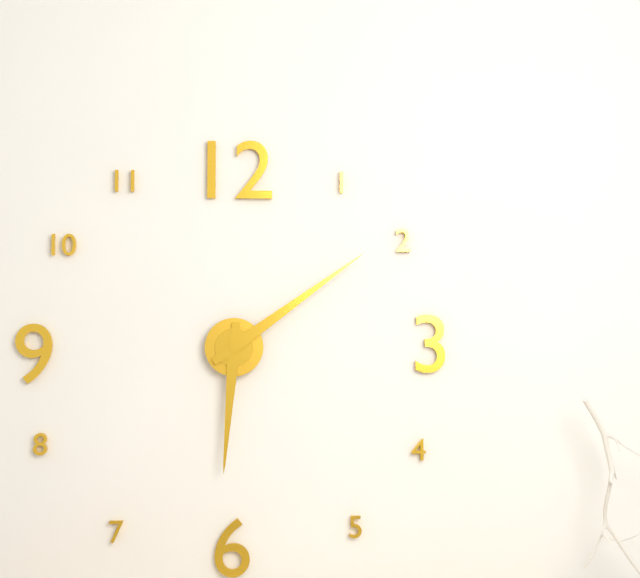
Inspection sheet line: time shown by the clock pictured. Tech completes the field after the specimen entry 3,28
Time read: 6,09
